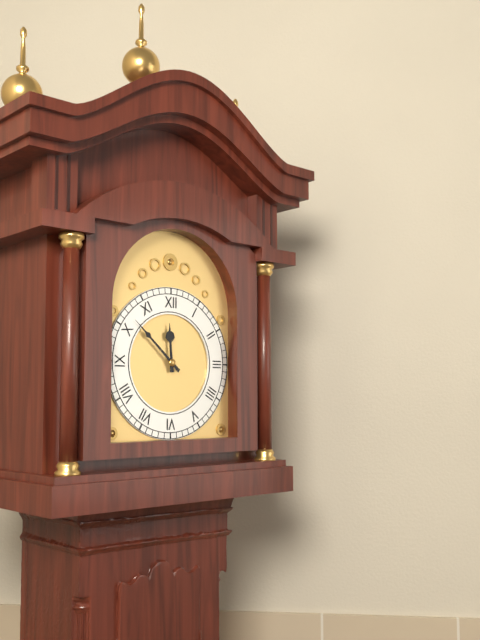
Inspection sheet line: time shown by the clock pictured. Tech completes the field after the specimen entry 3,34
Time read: 11,52
